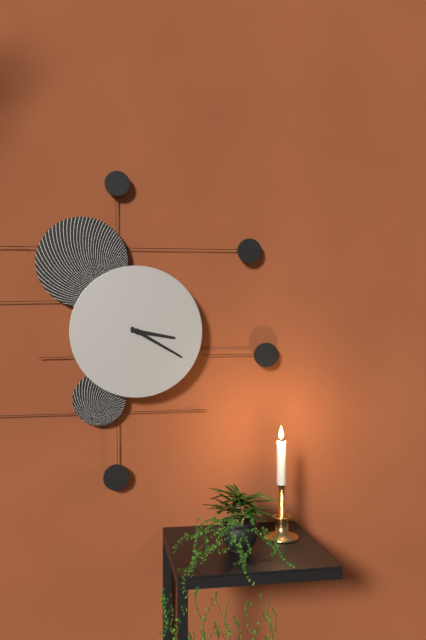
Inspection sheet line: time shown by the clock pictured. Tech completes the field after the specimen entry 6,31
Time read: 3,20
